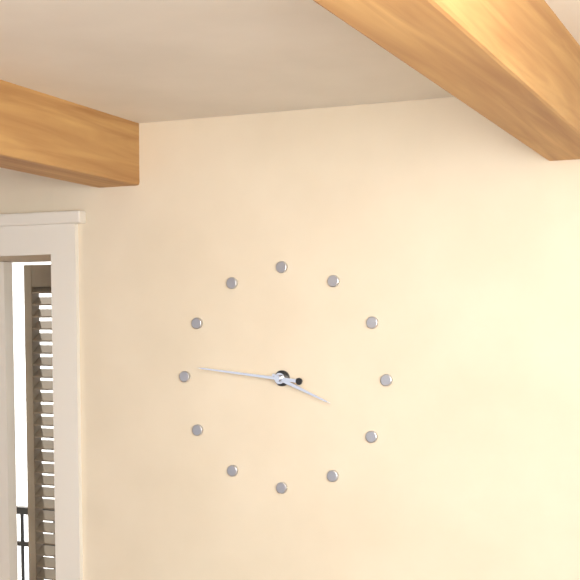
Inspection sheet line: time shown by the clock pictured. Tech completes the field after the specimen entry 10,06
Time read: 3,46
